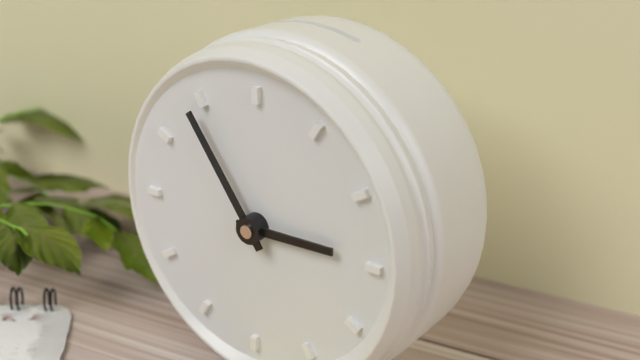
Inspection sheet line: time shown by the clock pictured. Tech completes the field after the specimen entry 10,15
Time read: 2,54
